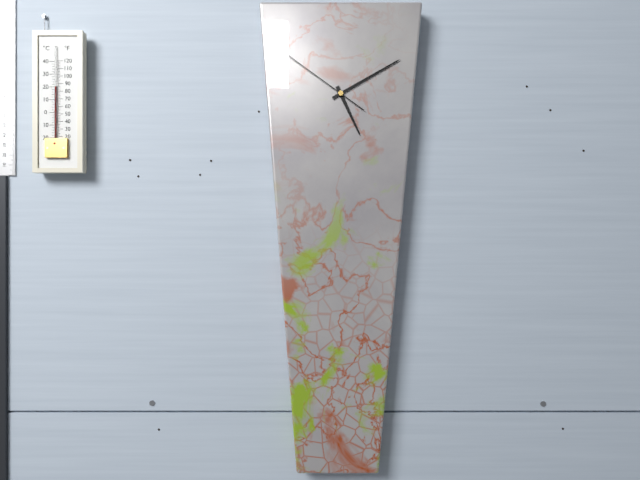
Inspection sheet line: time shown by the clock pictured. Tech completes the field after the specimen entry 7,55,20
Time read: 5,10,51
